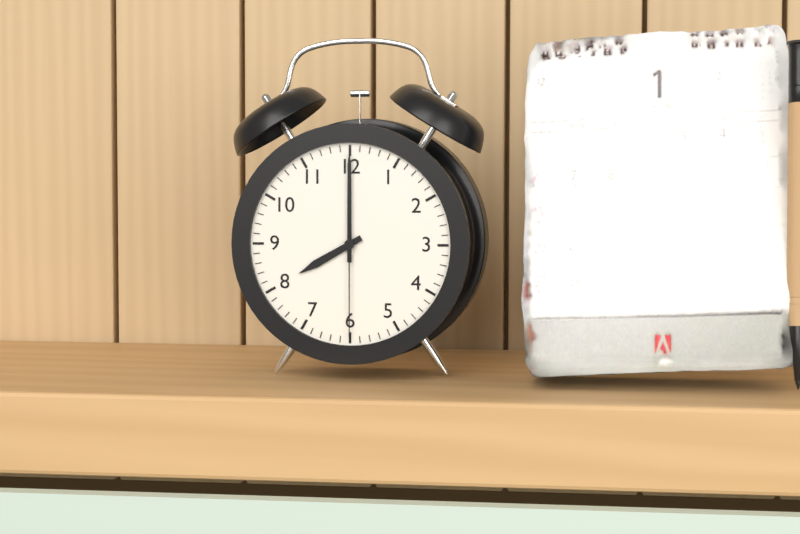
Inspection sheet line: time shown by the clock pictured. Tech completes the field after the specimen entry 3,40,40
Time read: 8,00,30
